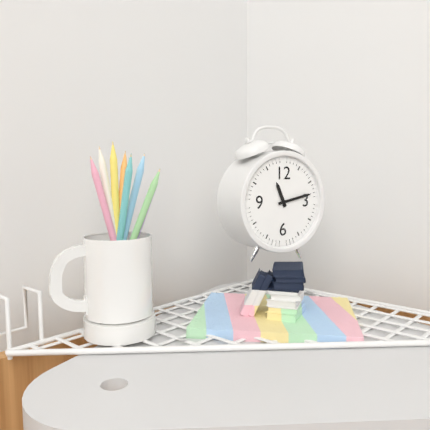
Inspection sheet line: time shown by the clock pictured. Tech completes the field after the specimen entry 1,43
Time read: 11,13
